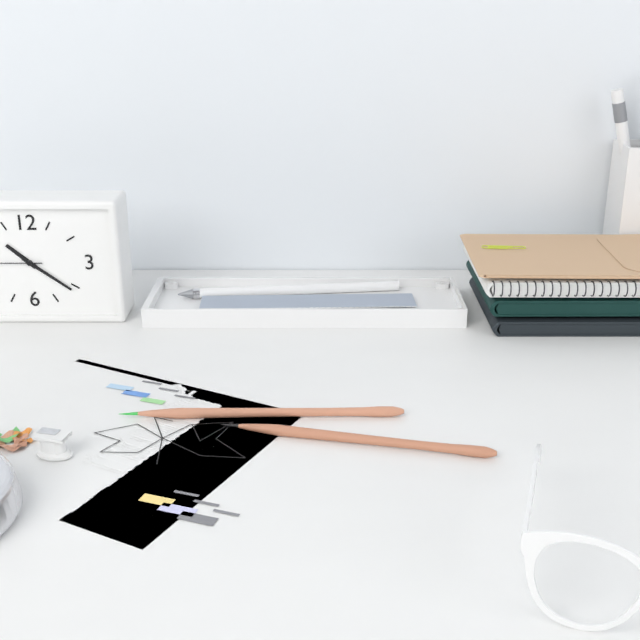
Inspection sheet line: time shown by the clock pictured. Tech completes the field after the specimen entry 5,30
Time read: 10,21
